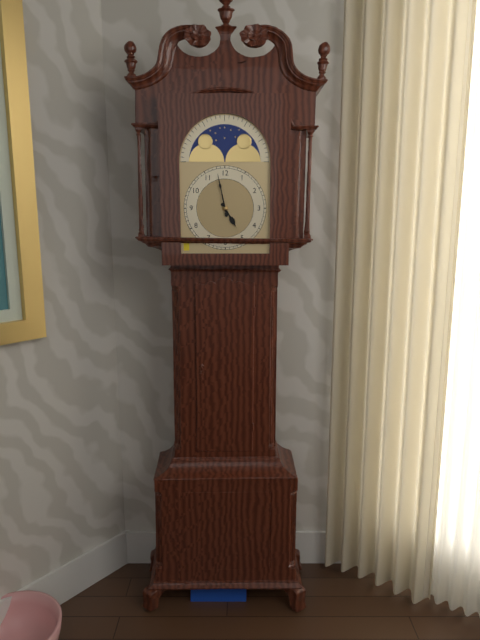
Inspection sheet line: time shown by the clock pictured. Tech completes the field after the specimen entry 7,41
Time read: 4,58
